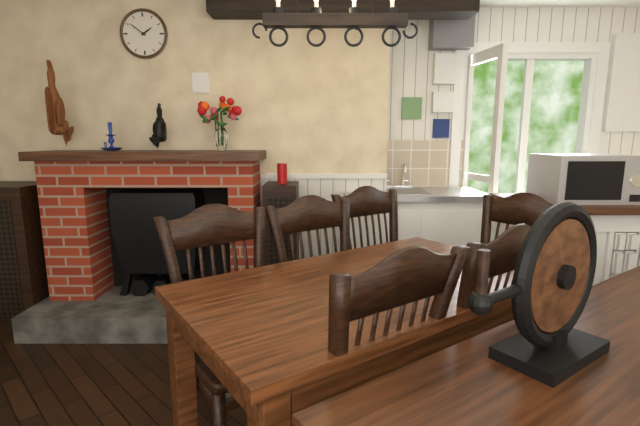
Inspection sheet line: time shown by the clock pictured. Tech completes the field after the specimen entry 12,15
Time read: 1,51
